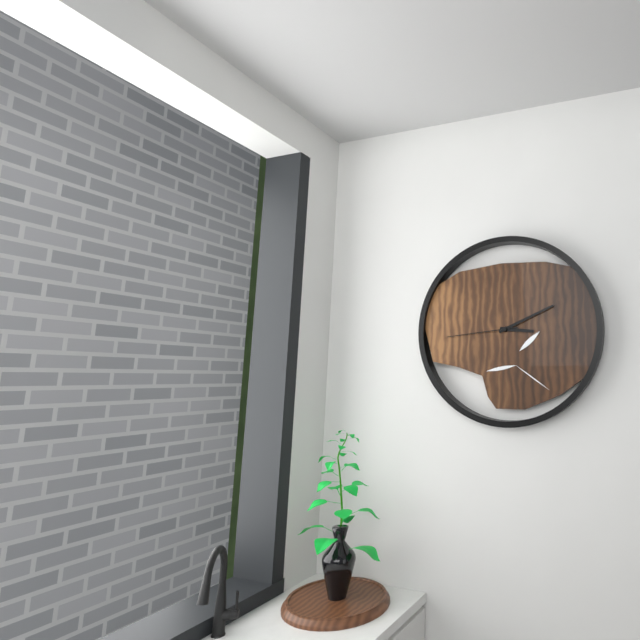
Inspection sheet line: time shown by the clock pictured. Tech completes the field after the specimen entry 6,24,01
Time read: 3,11,44
